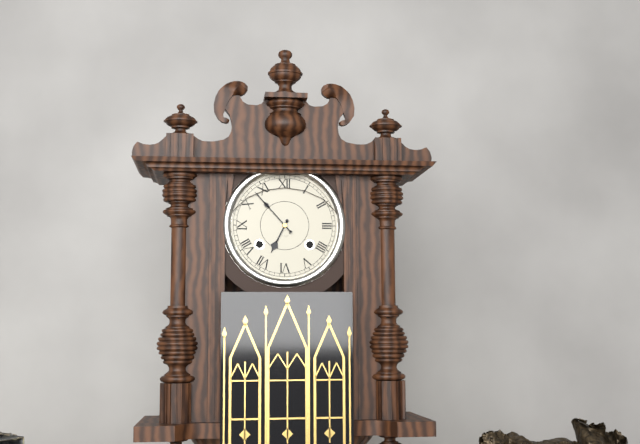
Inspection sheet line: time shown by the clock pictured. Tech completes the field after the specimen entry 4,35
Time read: 6,53
